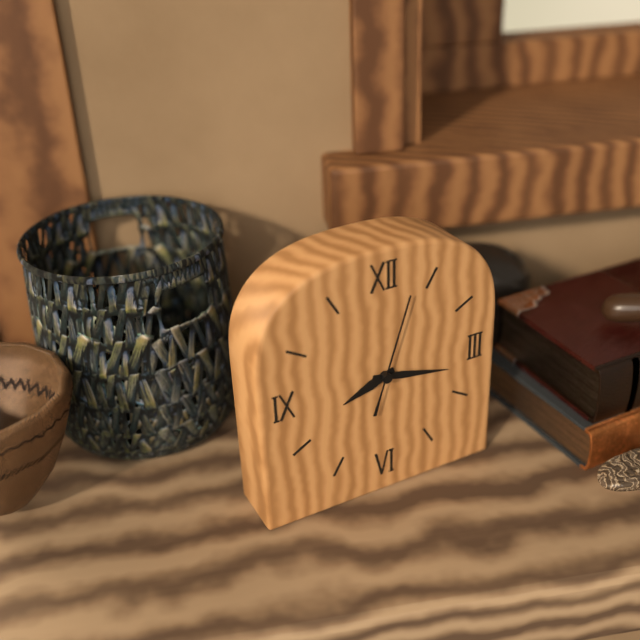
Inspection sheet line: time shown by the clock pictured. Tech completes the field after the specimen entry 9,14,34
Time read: 8,17,03
